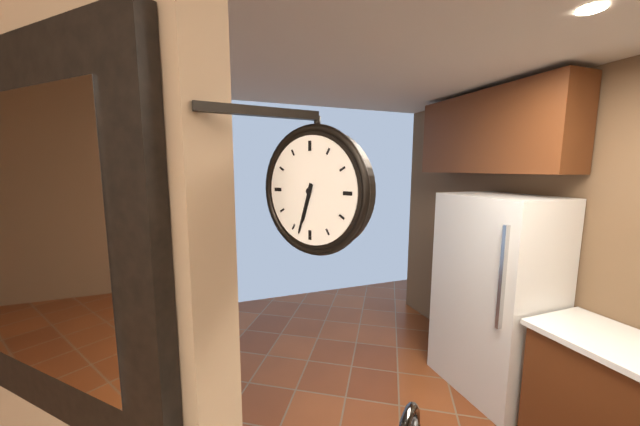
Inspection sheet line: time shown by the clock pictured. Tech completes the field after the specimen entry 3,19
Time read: 6,33
